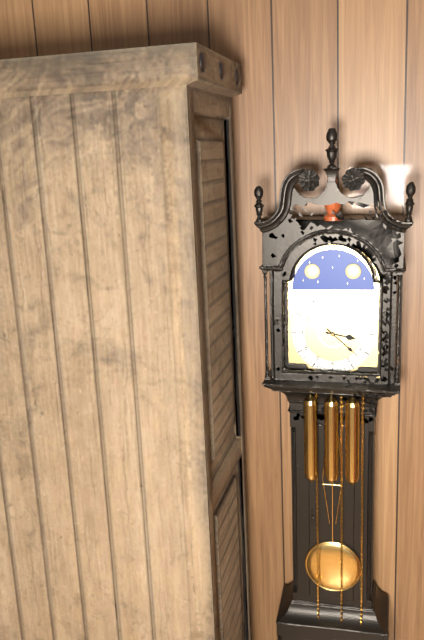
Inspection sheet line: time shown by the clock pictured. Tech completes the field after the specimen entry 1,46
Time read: 3,22
